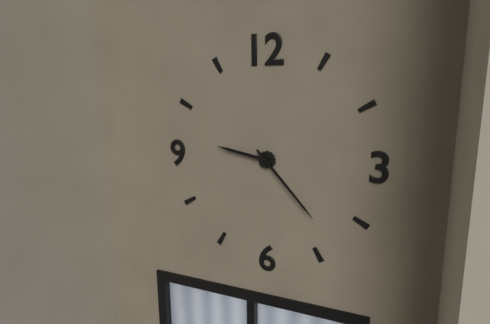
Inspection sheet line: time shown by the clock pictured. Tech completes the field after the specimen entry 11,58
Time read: 9,23
